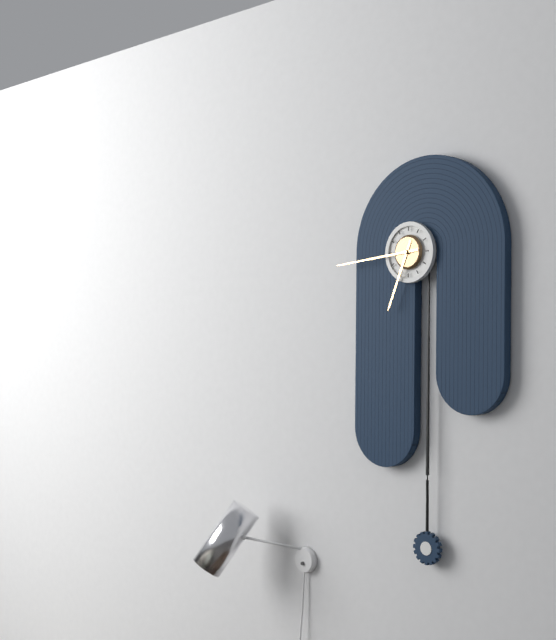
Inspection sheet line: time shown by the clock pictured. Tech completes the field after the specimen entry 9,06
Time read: 6,44
